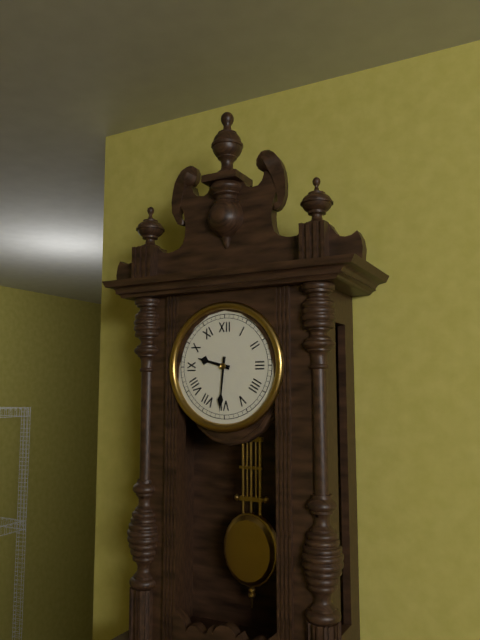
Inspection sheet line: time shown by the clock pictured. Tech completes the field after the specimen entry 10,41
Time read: 9,31
